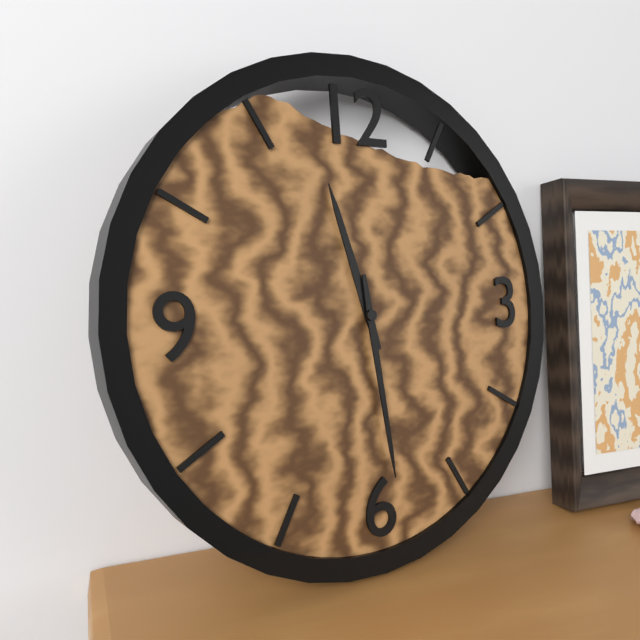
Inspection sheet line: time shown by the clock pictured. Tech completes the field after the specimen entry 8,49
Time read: 11,29
